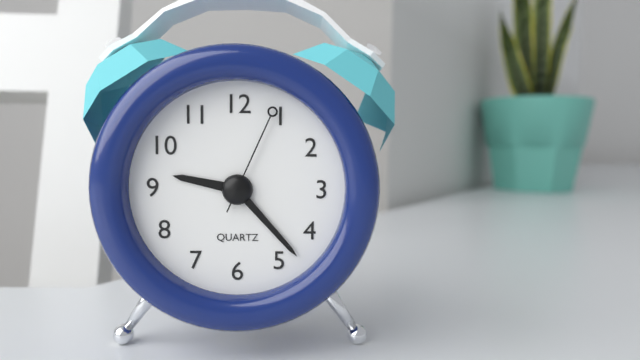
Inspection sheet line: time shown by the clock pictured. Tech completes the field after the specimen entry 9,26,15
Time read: 9,23,04
